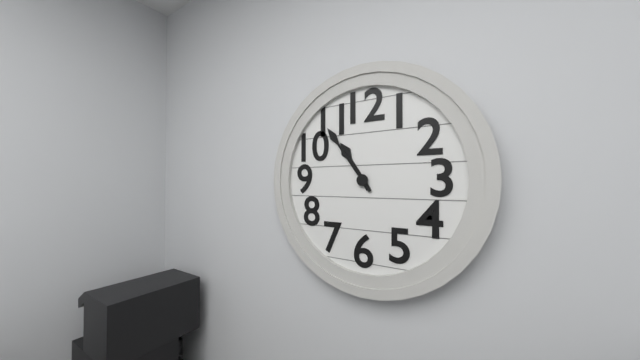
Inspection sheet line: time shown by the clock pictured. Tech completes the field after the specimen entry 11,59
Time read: 10,54
